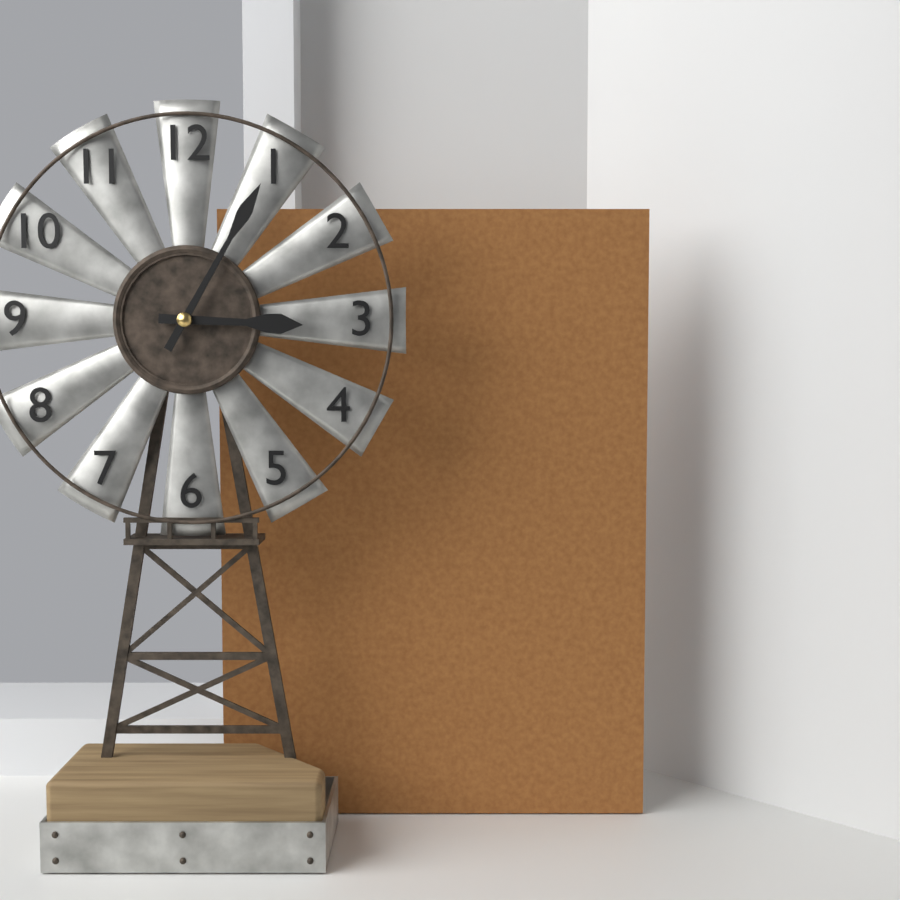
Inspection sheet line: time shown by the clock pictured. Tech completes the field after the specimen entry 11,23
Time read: 3,05
